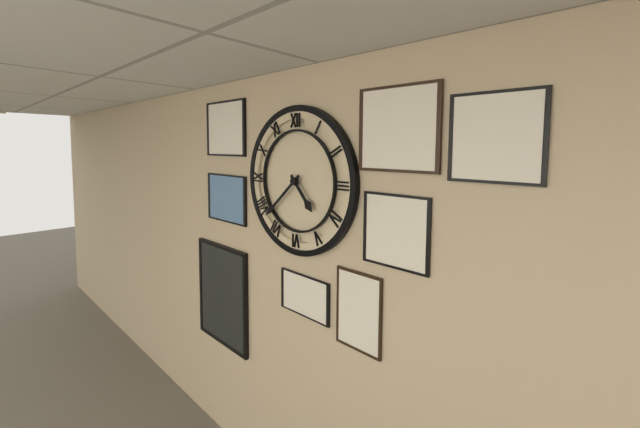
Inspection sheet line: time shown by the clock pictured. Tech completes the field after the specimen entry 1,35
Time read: 4,38
